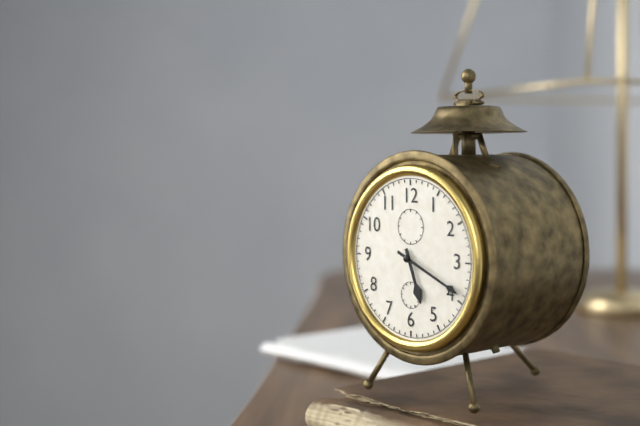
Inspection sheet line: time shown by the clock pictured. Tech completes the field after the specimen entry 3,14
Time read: 5,19
